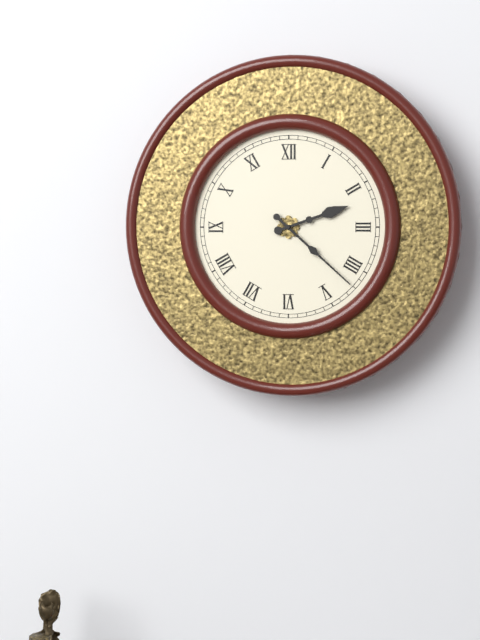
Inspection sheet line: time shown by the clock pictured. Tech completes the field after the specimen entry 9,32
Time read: 2,22
